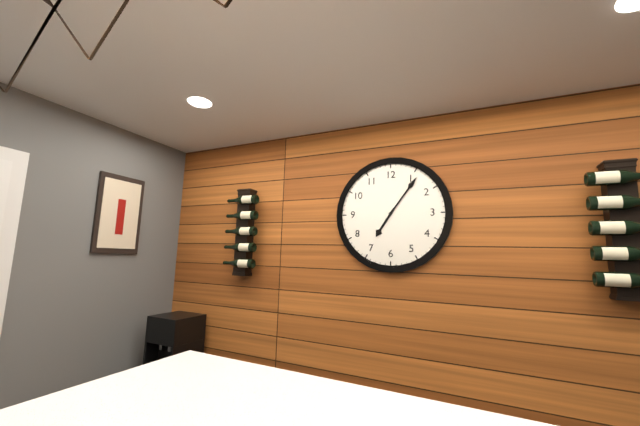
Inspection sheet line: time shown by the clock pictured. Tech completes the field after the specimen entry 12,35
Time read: 7,06
